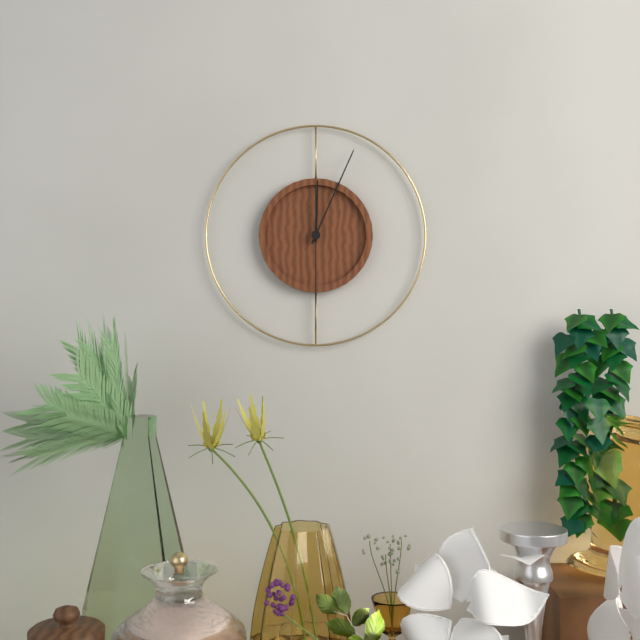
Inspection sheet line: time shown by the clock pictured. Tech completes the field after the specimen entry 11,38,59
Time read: 12,04,30
